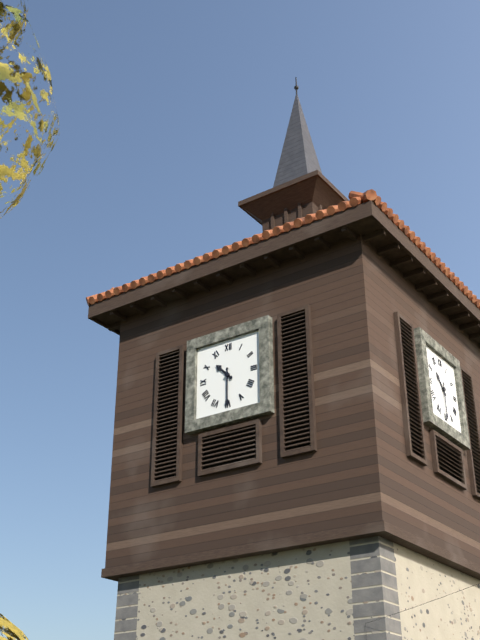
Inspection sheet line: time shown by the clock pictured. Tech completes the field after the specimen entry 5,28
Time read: 10,30
